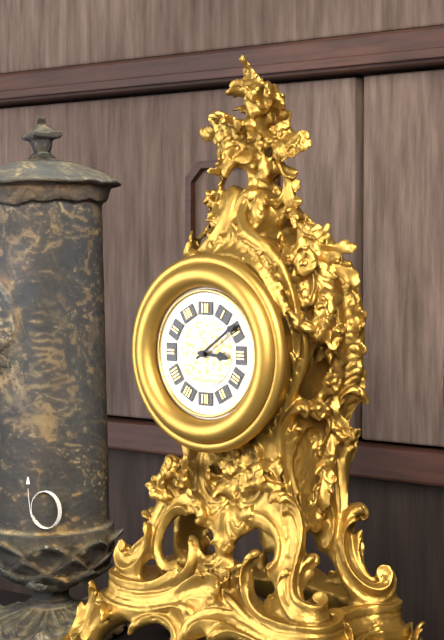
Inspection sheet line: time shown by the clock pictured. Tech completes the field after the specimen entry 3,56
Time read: 3,09
